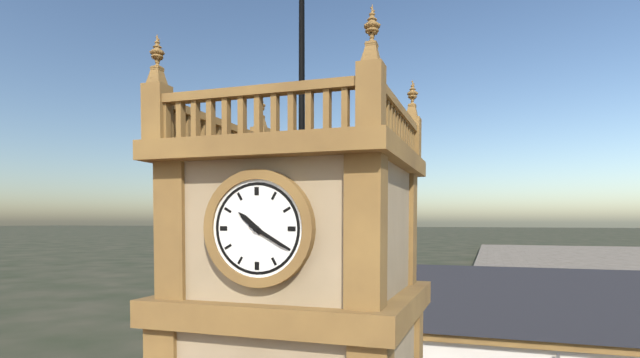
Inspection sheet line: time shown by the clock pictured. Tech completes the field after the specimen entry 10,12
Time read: 10,20
